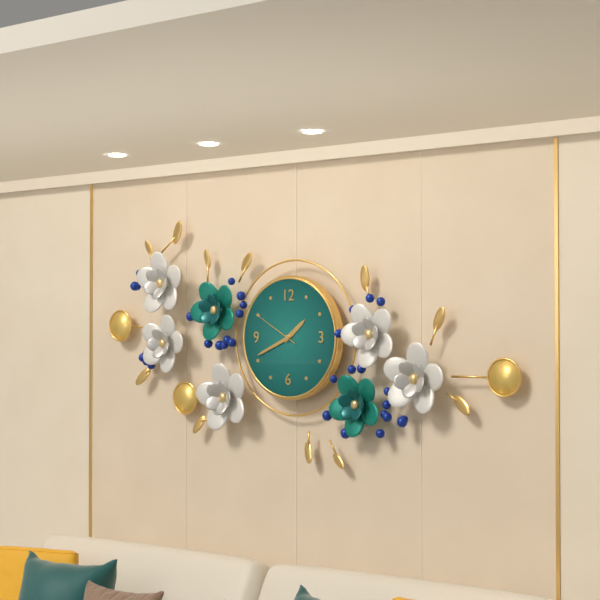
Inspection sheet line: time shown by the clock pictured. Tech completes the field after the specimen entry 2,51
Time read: 1,41
